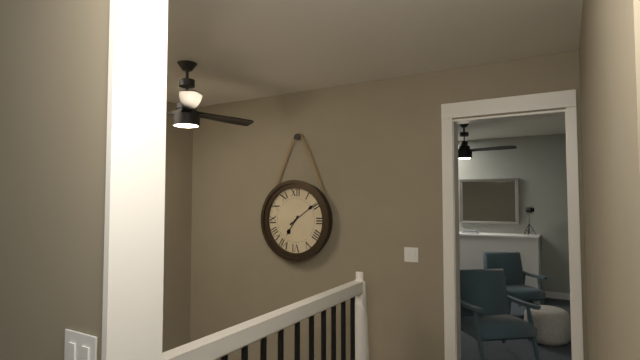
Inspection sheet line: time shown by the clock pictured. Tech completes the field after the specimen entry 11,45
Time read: 7,09
